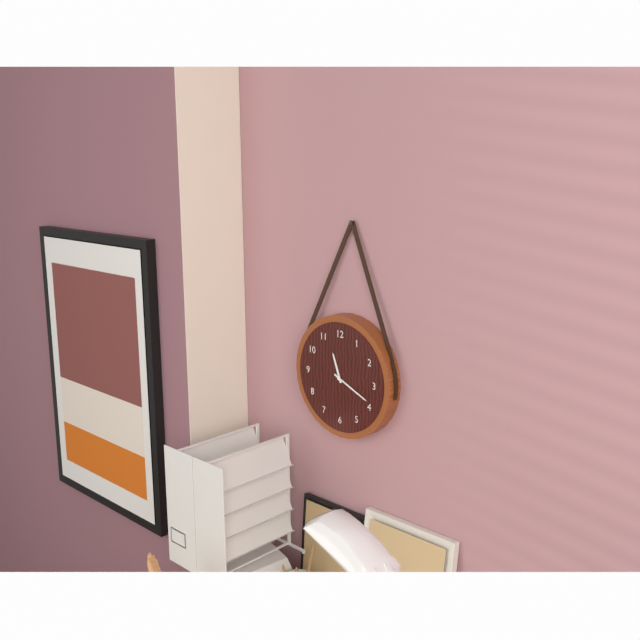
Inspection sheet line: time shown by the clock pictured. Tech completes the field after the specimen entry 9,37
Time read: 11,19
